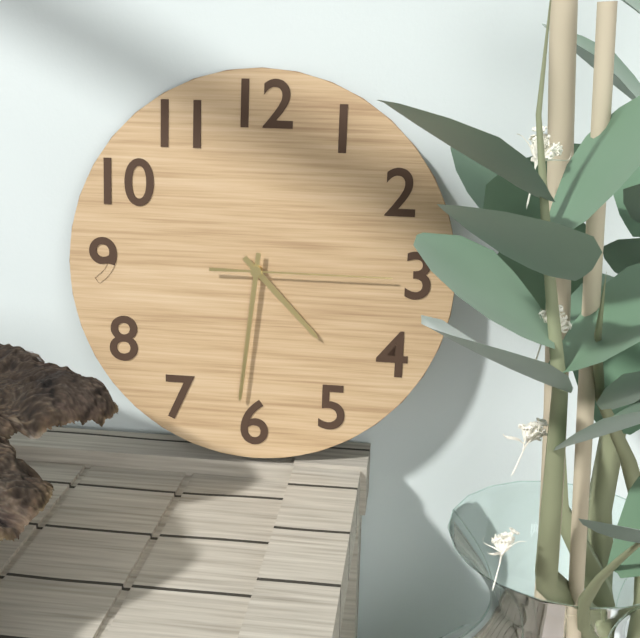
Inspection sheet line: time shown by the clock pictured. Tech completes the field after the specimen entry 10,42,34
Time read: 4,31,15
